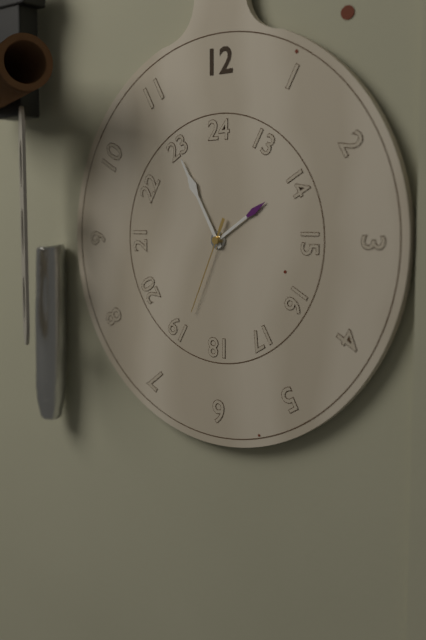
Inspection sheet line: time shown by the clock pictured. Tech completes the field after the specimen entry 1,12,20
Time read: 1,55,34
